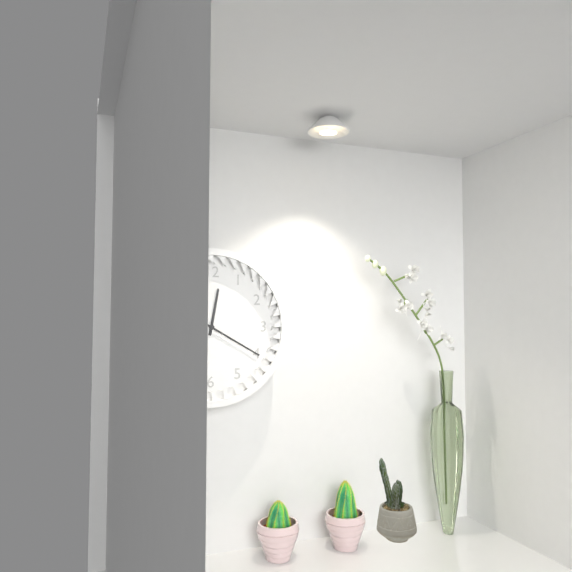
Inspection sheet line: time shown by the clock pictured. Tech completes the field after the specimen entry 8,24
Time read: 12,20
